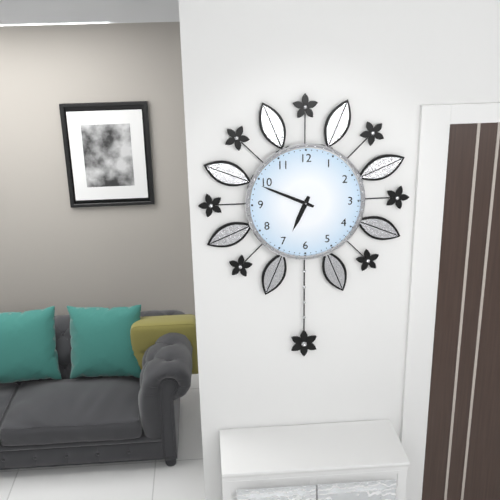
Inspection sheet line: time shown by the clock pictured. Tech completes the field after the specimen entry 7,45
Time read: 6,49
